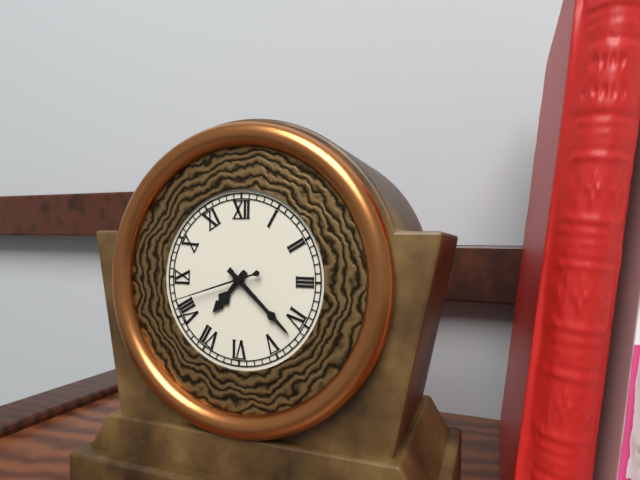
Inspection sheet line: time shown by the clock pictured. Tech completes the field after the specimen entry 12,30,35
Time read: 7,22,42
